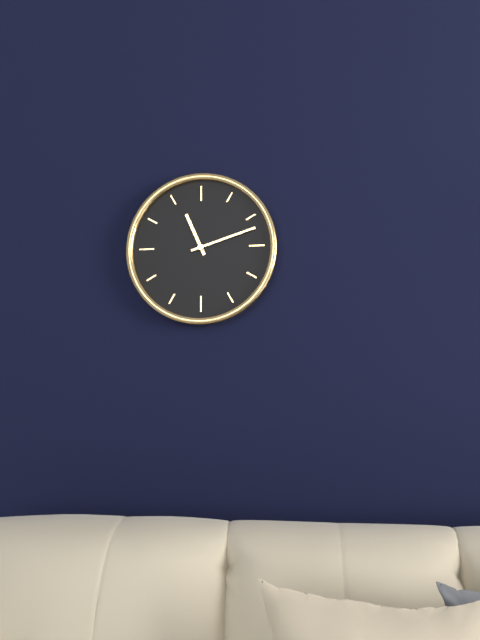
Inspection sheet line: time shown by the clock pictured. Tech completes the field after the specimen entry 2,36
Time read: 11,12
